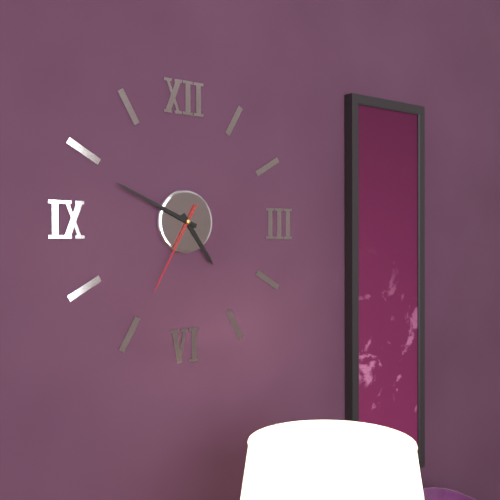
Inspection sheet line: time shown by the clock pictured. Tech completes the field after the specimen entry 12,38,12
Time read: 4,49,35
